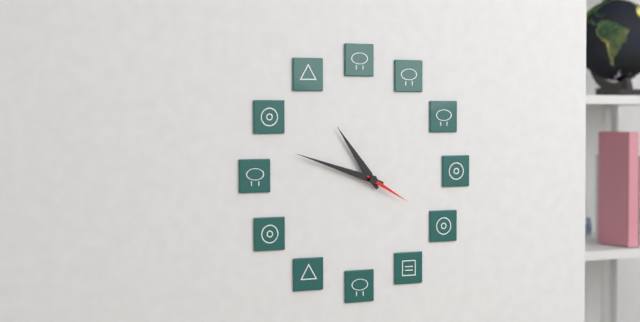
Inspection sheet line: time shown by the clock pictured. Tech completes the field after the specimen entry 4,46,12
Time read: 10,48,20
